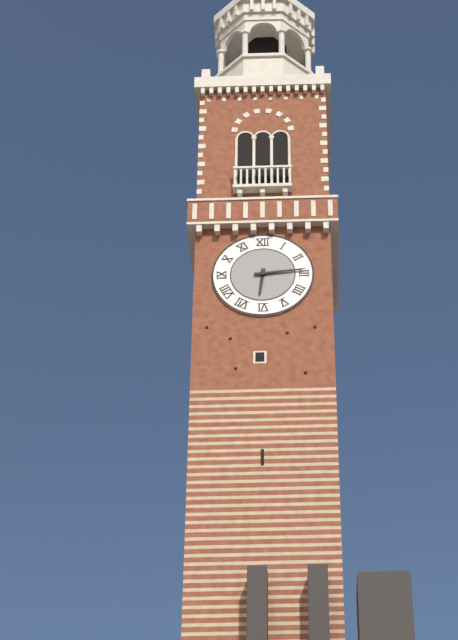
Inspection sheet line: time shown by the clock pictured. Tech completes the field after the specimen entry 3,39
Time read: 6,14
